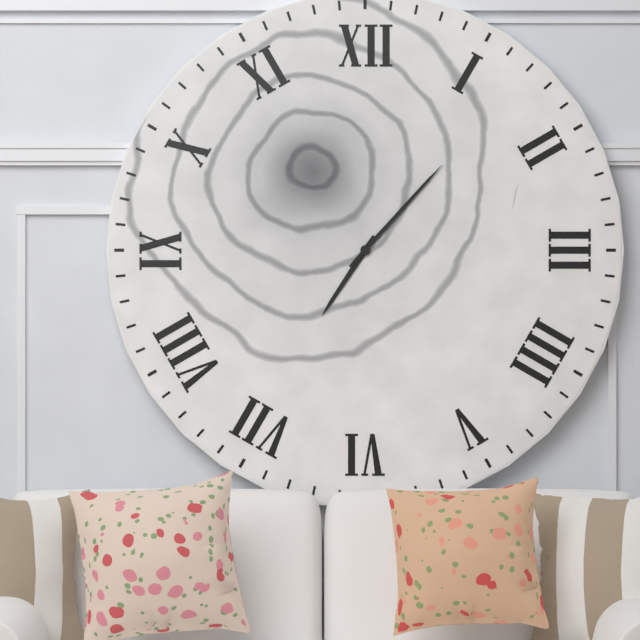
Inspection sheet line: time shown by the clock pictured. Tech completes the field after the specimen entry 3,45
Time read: 7,07
